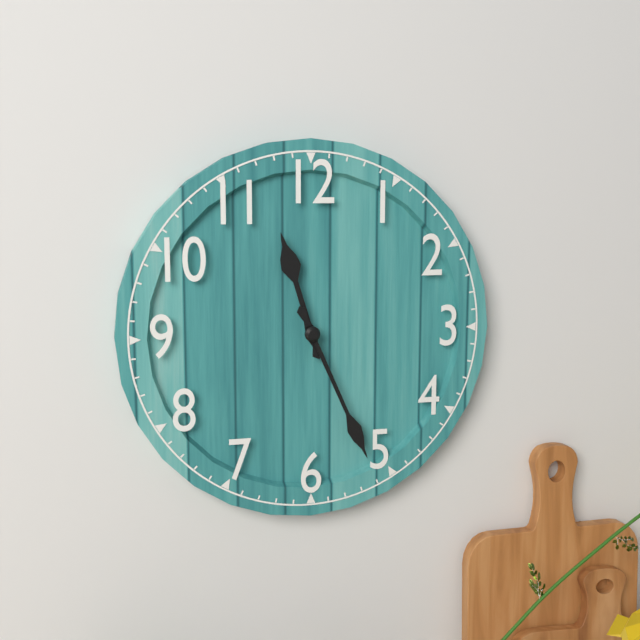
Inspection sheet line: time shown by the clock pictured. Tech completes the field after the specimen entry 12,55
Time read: 11,26
